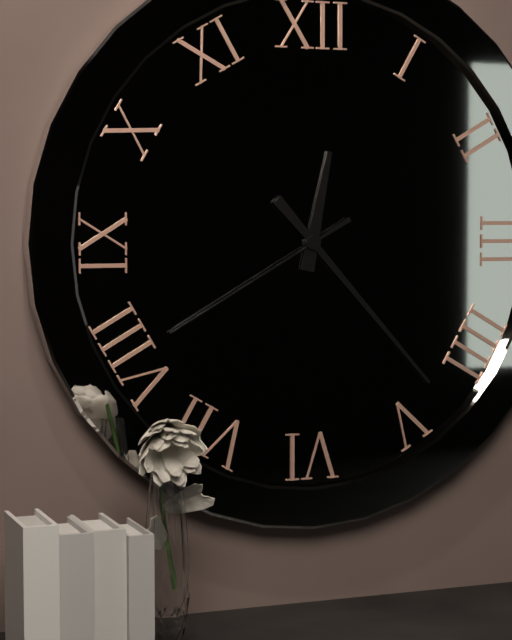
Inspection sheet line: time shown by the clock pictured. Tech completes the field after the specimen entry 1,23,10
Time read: 12,23,40
